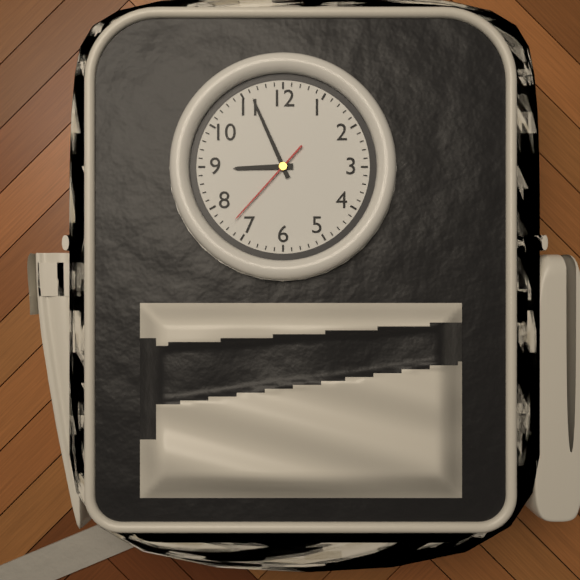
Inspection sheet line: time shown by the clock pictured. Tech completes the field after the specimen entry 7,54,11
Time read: 8,56,37
